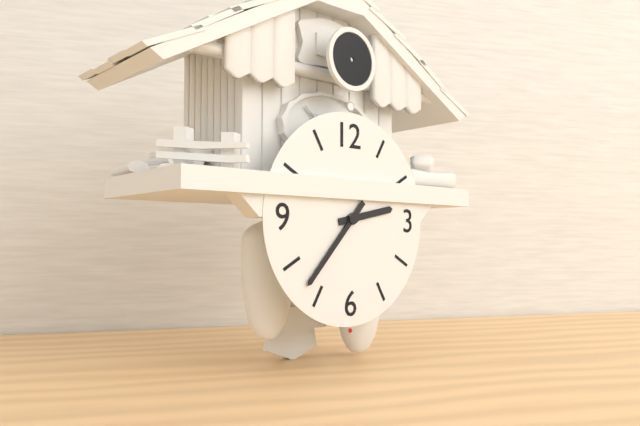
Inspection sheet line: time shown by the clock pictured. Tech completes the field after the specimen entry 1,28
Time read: 2,37
